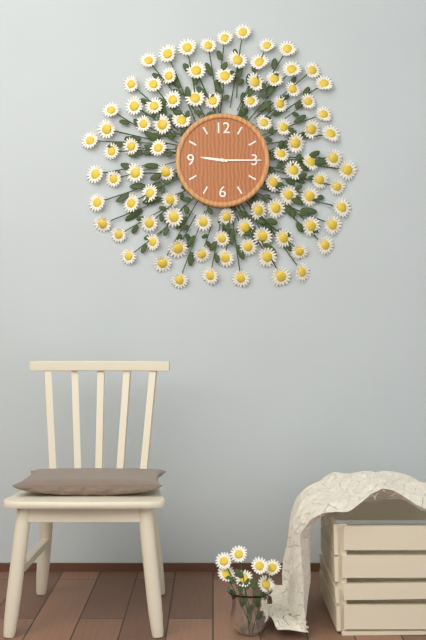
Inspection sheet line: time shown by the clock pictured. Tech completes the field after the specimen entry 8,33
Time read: 9,15
